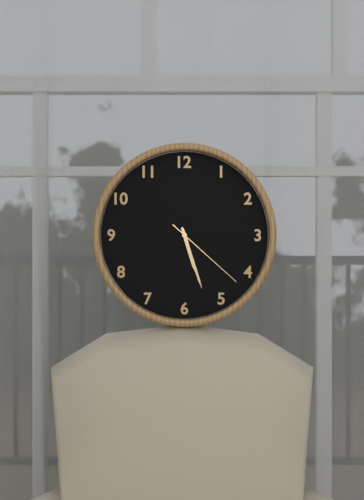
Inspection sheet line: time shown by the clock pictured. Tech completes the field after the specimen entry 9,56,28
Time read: 5,27,22
